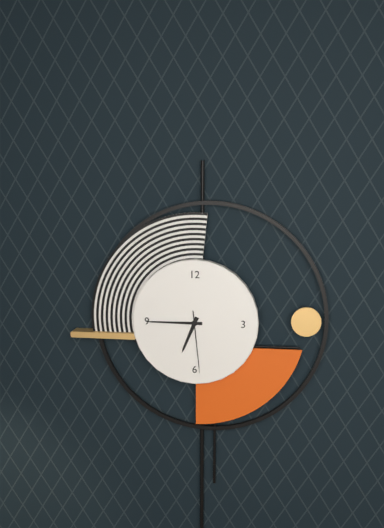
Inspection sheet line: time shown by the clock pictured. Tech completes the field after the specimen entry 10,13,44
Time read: 6,45,29
